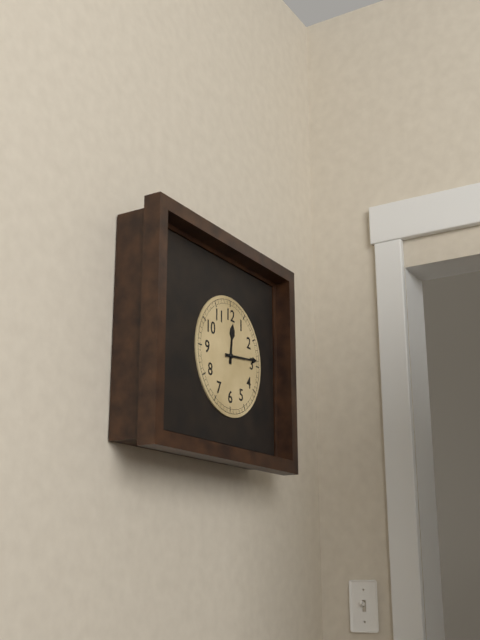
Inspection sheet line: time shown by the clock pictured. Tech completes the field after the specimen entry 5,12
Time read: 12,14
